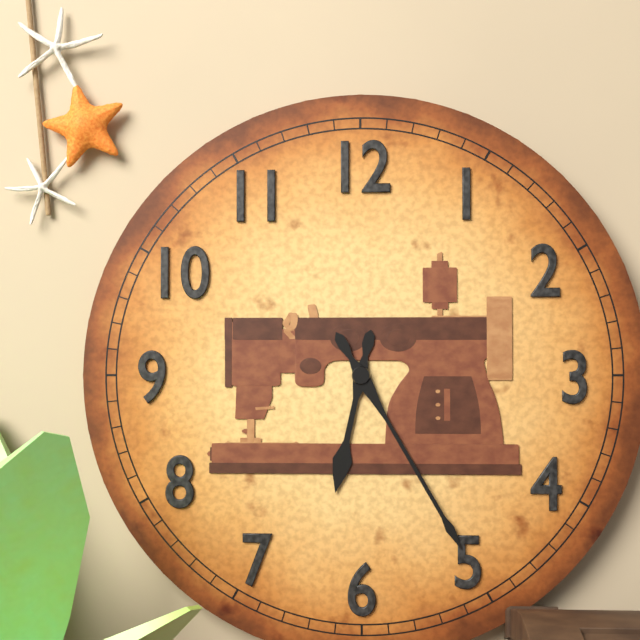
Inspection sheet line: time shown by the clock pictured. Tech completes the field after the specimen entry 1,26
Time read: 6,25
